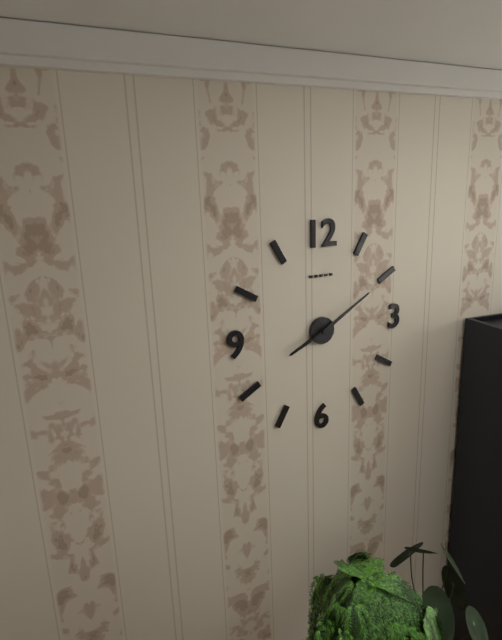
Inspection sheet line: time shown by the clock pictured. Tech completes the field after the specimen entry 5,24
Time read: 8,10
